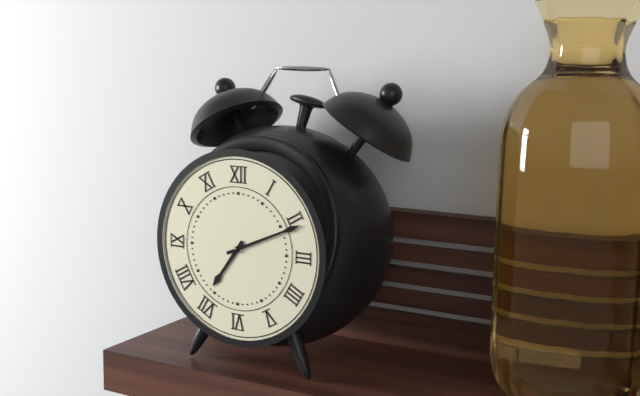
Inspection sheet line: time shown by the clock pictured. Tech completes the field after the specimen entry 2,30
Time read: 7,11
